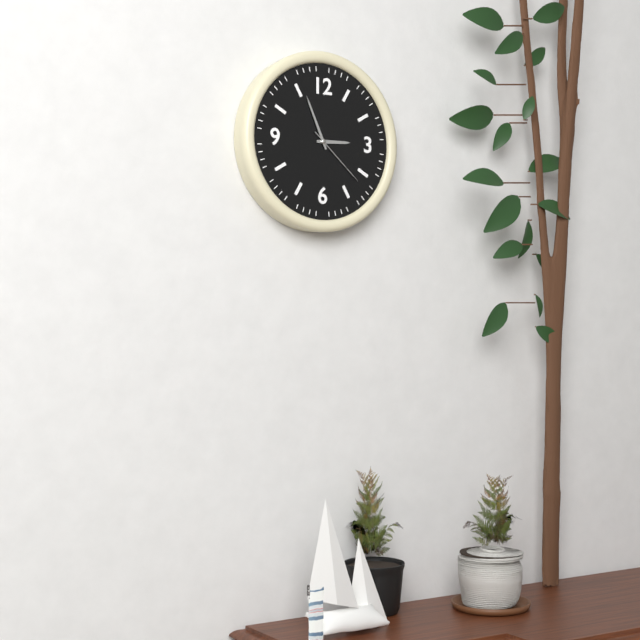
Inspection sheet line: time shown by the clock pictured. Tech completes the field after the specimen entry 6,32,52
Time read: 2,56,22
